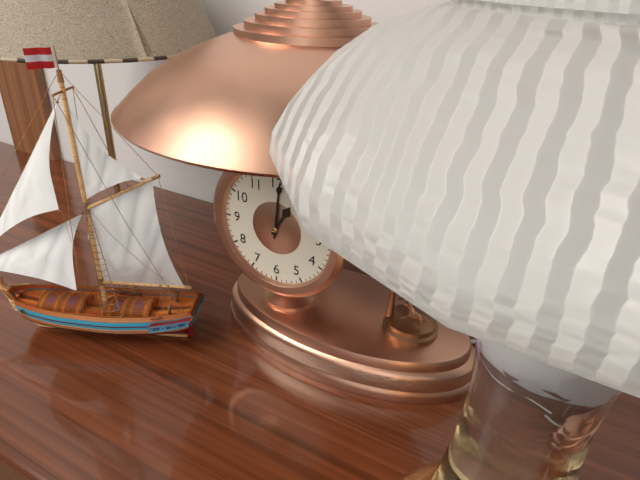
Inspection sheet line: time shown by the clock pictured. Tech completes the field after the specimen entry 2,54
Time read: 1,01
